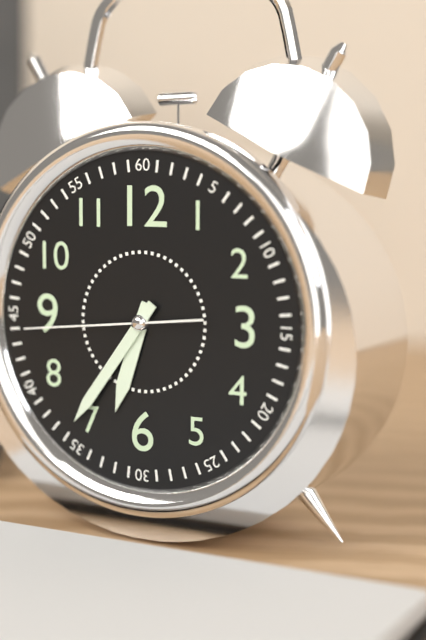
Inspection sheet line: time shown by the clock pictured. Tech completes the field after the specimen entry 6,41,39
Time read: 6,36,44
